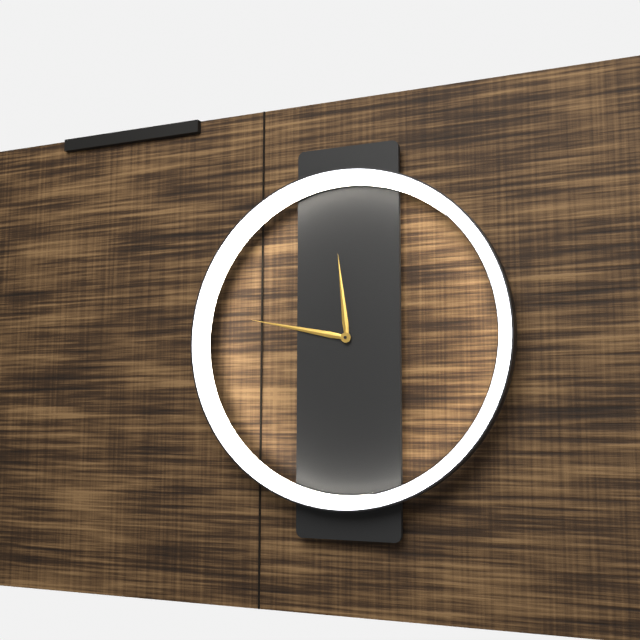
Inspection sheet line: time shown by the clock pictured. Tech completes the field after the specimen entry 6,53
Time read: 11,47
